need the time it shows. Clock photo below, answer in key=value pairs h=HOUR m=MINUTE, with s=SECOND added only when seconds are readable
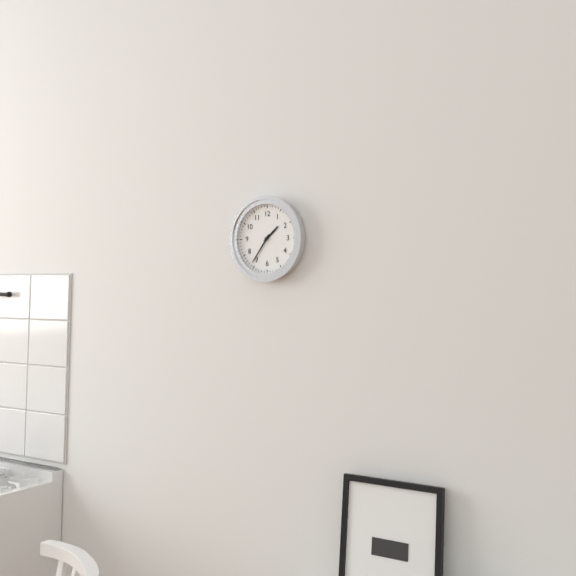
h=1 m=36
